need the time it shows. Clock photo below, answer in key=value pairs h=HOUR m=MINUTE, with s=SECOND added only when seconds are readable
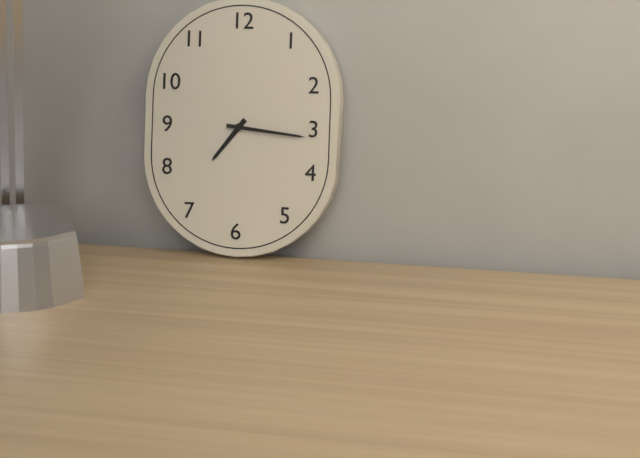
h=7 m=16
